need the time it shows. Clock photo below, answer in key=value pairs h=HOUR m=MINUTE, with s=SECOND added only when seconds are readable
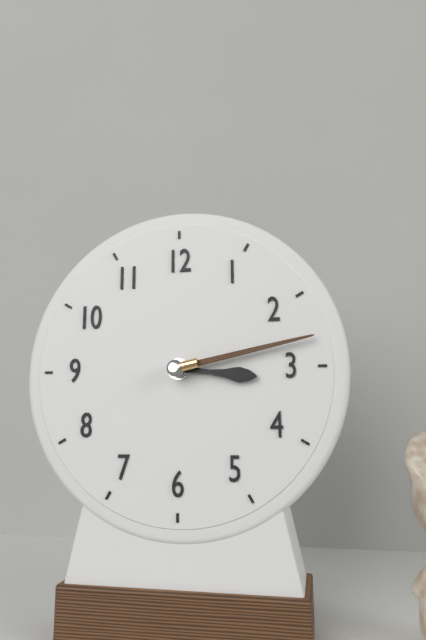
h=3 m=13
